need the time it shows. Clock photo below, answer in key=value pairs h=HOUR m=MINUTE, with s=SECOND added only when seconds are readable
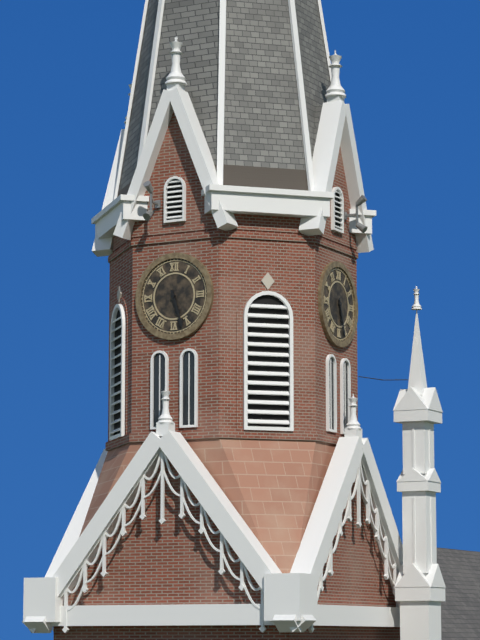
h=5 m=27
